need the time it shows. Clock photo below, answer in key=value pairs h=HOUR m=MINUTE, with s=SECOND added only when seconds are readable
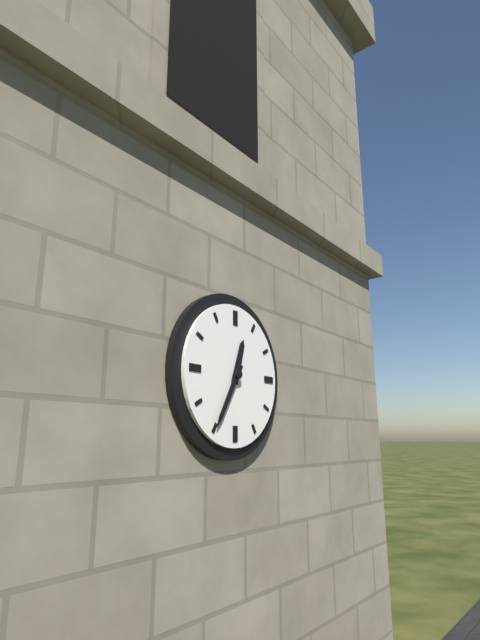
h=12 m=35
